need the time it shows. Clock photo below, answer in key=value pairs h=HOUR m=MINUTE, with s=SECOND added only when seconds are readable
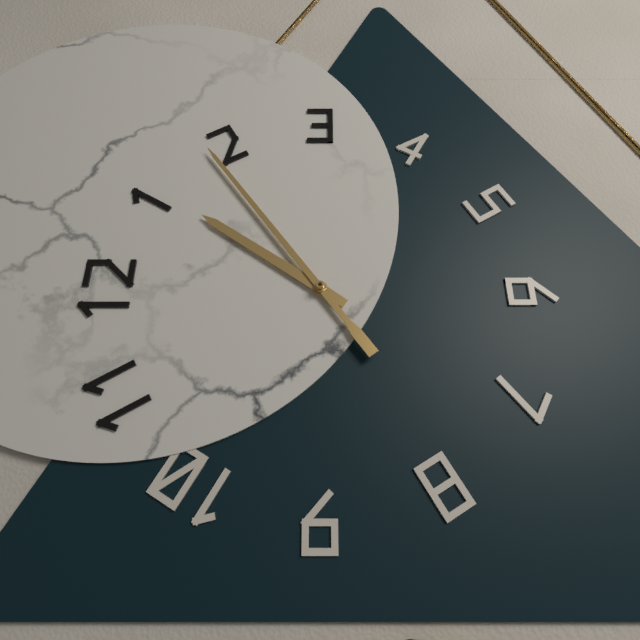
h=1 m=9
